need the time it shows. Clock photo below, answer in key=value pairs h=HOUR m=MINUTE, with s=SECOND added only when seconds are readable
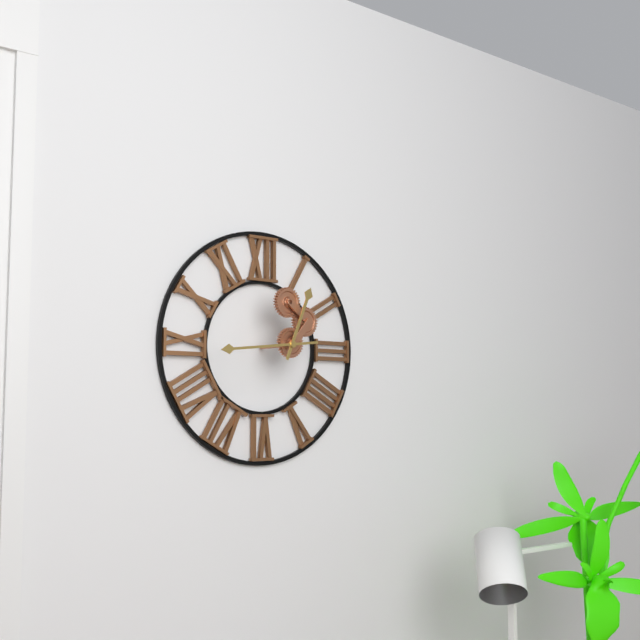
h=12 m=44
